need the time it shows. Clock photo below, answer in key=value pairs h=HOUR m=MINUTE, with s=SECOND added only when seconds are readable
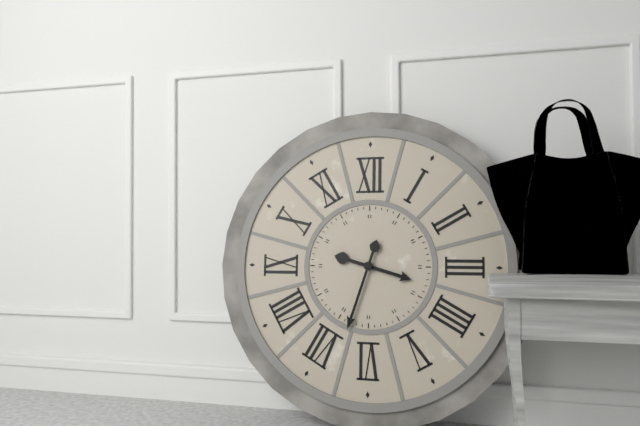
h=3 m=33
